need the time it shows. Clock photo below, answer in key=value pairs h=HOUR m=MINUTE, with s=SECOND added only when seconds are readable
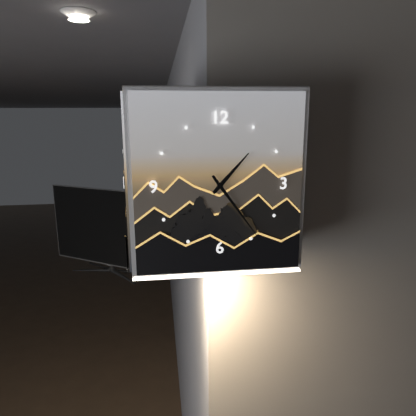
h=1 m=24
